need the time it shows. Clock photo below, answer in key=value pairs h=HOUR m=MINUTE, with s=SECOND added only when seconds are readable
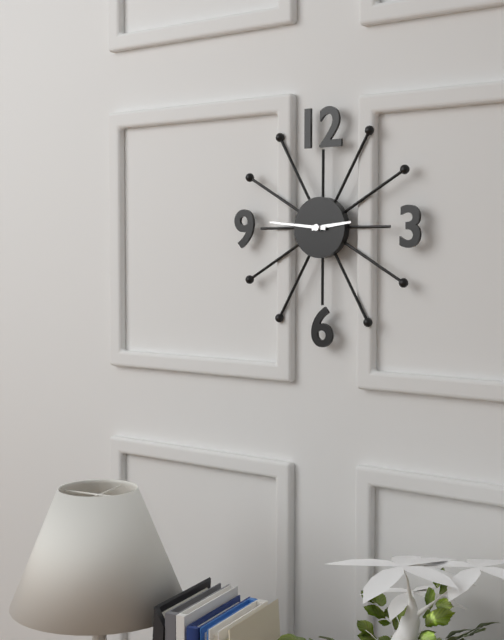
h=2 m=46
